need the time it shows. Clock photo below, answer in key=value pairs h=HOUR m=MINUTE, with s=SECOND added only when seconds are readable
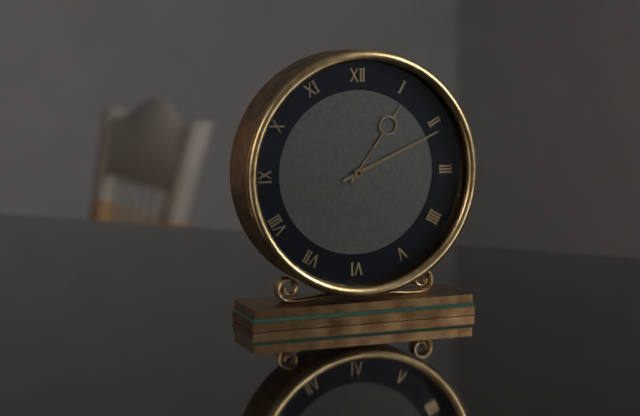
h=1 m=11
